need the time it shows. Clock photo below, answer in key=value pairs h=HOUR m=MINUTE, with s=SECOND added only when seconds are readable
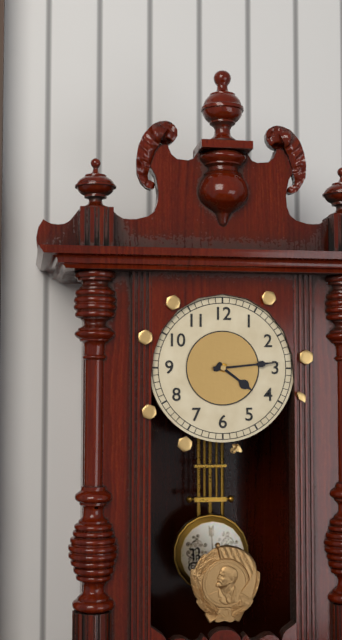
h=4 m=14
